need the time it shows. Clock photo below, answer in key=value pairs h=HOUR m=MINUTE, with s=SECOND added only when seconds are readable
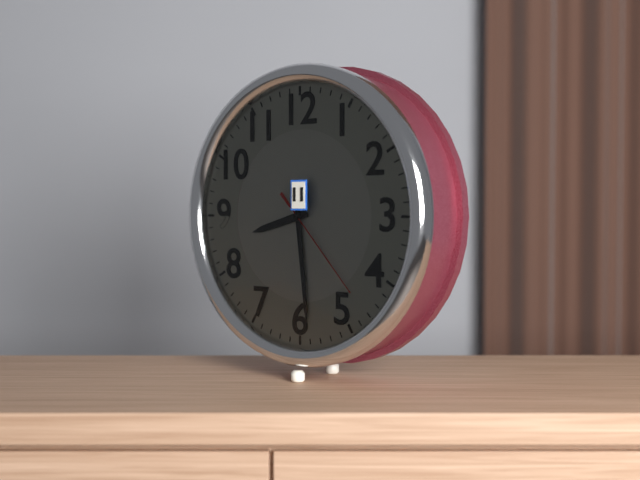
h=8 m=29 s=23
